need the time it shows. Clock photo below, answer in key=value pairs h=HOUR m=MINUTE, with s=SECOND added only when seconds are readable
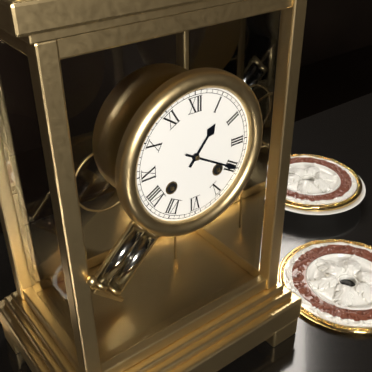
h=1 m=20
